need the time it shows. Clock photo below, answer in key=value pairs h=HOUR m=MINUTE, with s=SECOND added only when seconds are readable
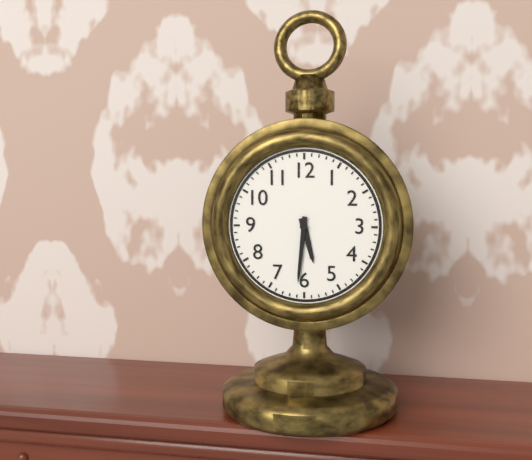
h=5 m=31
